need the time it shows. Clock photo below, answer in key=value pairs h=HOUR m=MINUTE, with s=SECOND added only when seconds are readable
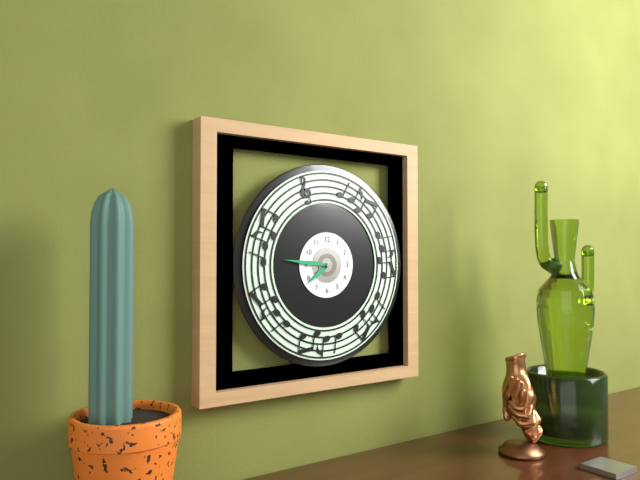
h=7 m=46
